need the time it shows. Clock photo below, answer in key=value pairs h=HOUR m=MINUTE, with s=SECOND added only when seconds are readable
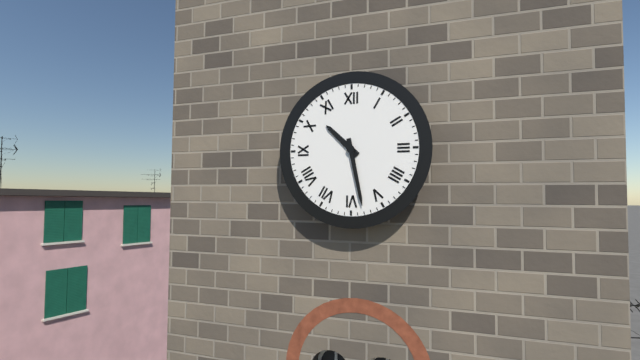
h=10 m=28
